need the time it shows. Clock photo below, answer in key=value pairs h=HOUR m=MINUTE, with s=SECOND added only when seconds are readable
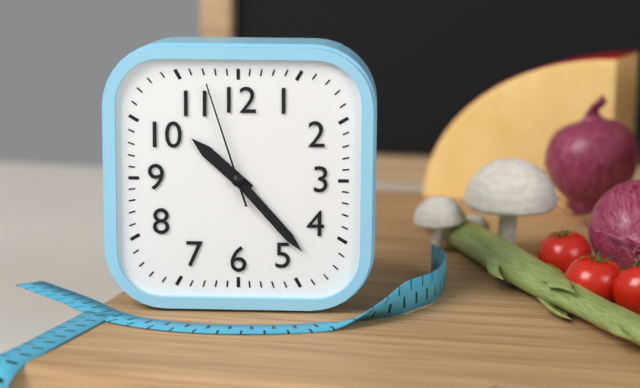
h=10 m=23 s=57
